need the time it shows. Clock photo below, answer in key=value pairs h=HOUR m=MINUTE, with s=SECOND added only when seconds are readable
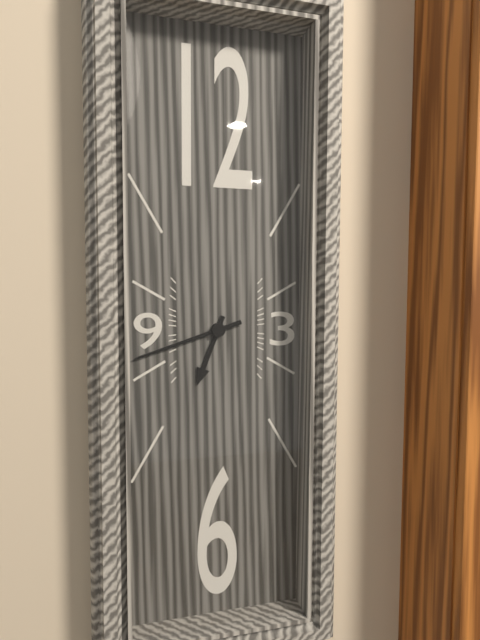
h=6 m=42
